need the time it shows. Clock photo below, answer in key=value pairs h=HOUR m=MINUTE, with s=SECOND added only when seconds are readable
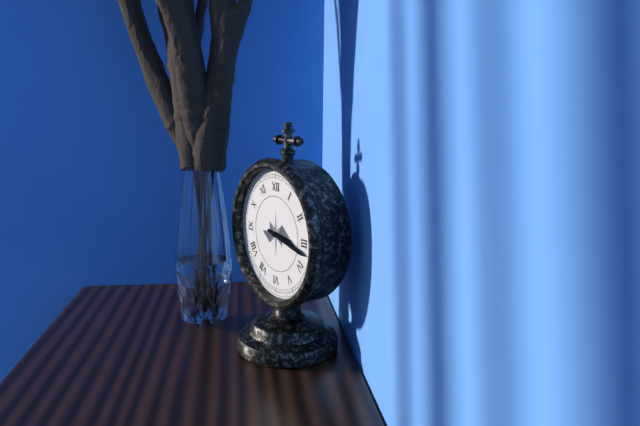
h=3 m=17
